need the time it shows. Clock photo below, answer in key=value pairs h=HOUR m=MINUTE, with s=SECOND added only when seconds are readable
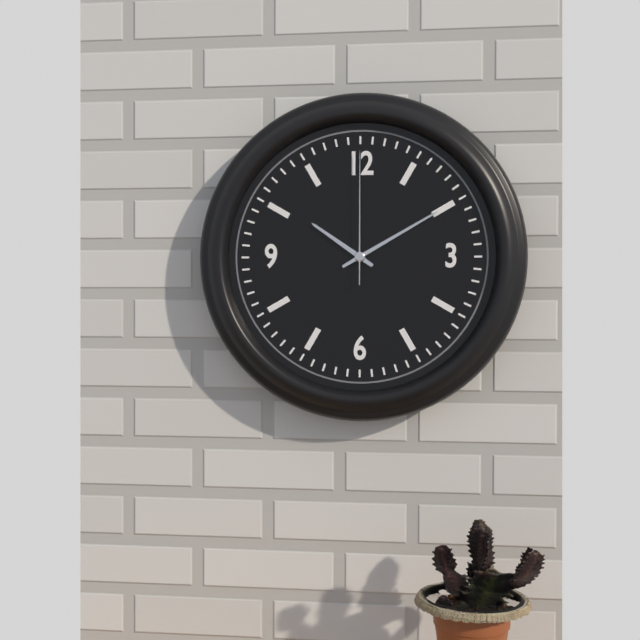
h=10 m=10 s=0
